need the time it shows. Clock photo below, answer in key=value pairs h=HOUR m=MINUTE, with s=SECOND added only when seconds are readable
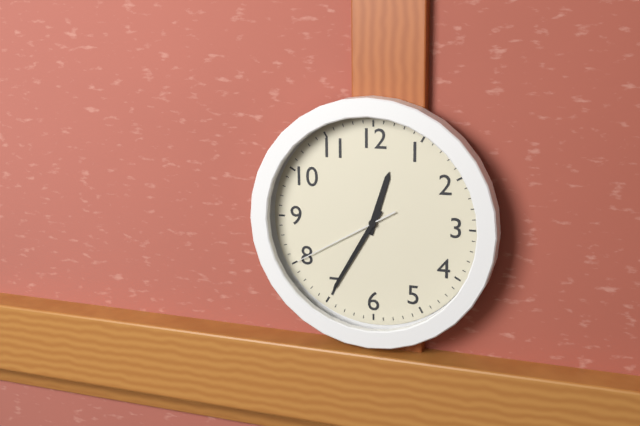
h=12 m=35 s=40
